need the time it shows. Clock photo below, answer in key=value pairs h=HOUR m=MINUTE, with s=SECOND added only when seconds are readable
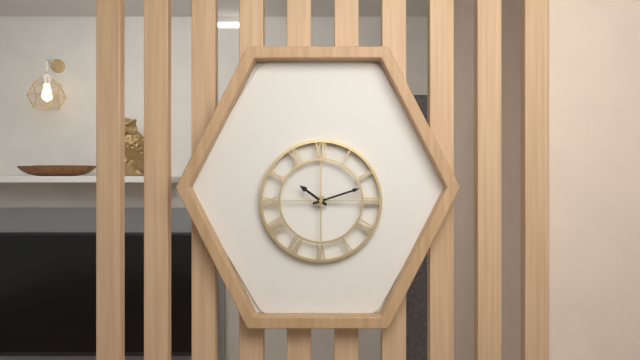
h=10 m=12
